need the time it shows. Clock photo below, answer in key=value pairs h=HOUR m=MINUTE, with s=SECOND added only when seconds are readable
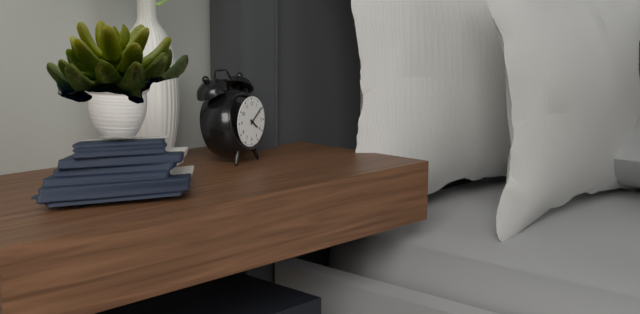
h=4 m=9
